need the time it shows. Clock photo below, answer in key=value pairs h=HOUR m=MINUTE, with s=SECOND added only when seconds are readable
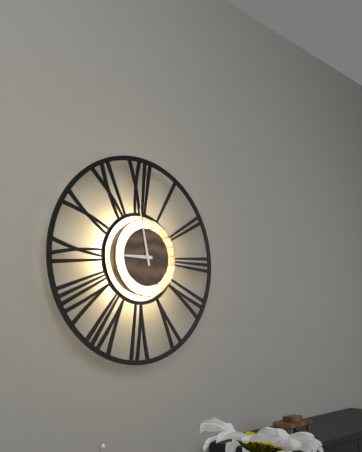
h=8 m=58
